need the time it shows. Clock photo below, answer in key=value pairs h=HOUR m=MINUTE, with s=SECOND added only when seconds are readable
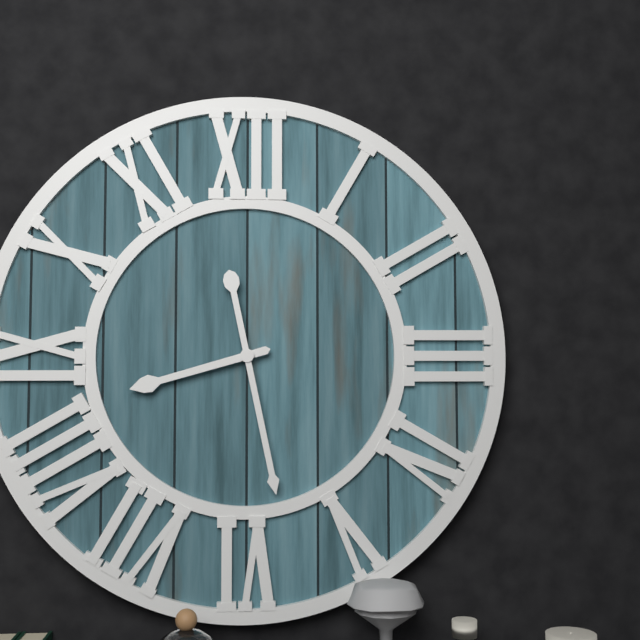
h=8 m=28
